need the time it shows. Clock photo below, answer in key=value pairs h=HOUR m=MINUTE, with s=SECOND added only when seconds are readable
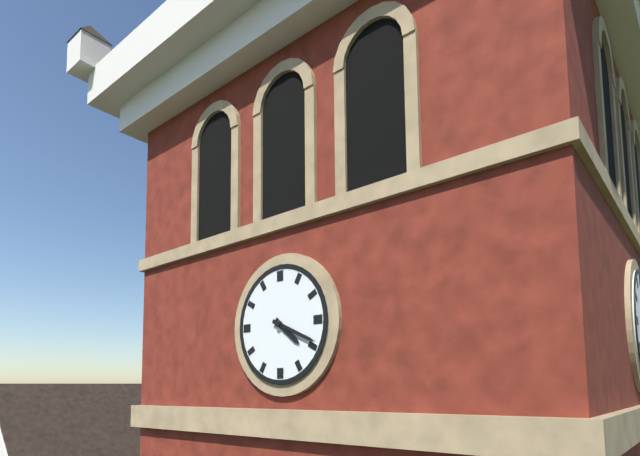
h=4 m=19
